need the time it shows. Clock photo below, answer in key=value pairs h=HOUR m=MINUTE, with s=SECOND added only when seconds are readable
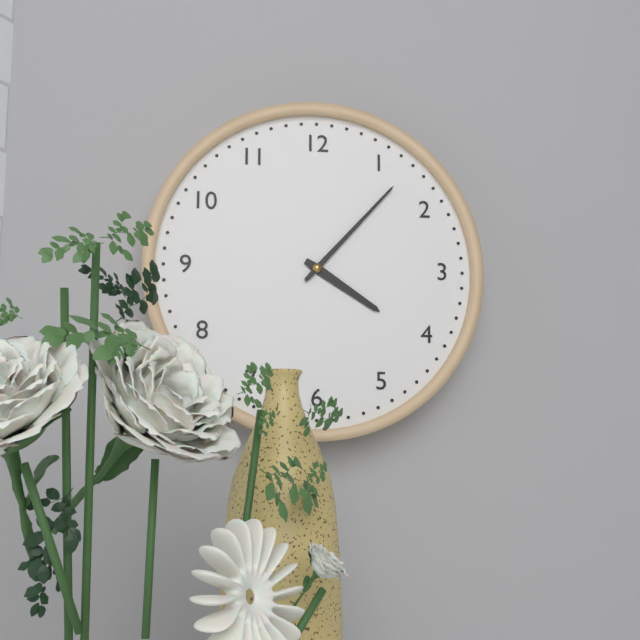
h=4 m=7
